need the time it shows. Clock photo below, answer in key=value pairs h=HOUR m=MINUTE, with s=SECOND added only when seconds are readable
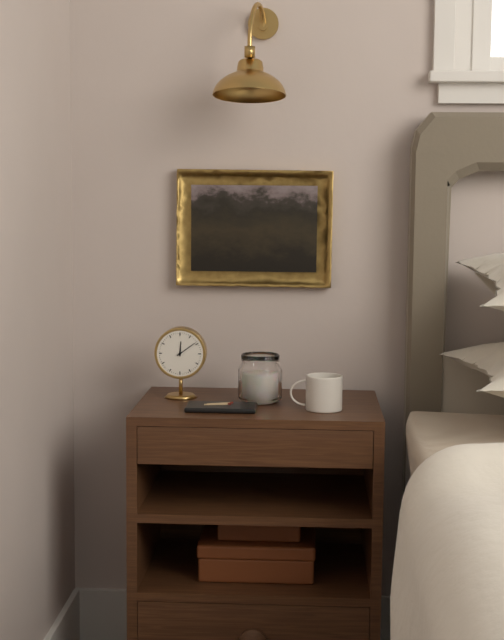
h=12 m=9
